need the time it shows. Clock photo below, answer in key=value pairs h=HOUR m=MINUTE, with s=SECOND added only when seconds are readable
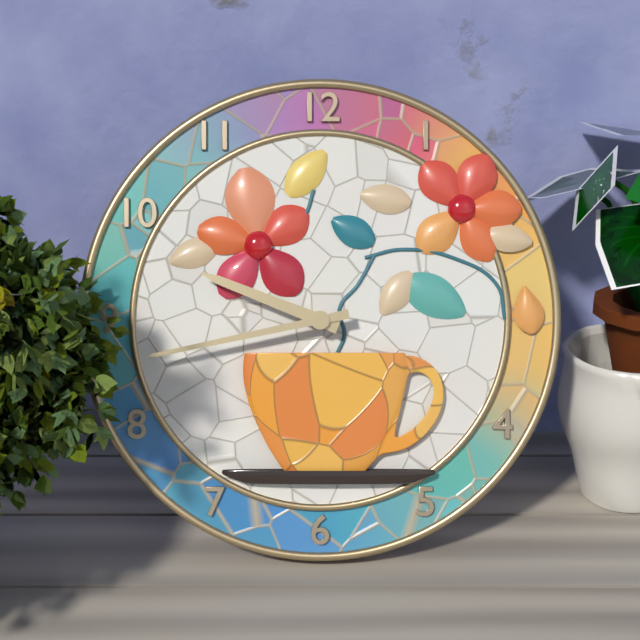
h=9 m=43
